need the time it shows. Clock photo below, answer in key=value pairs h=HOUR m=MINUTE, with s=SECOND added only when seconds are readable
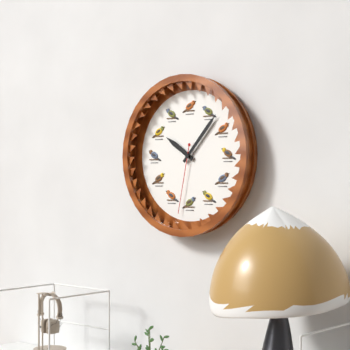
h=10 m=7 s=32
